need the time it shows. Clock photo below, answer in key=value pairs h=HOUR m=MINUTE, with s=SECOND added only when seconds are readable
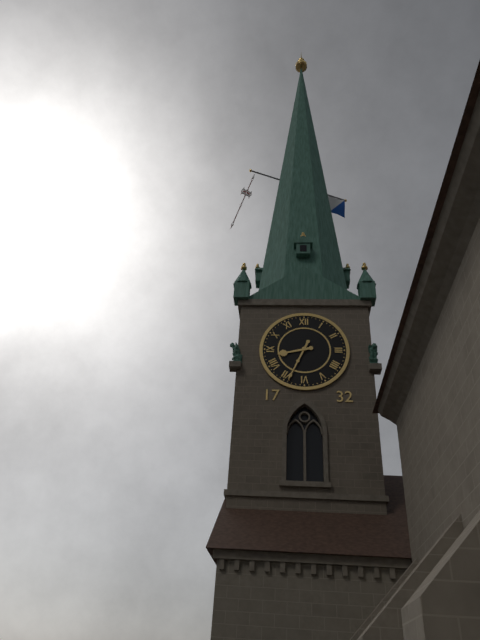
h=8 m=34
